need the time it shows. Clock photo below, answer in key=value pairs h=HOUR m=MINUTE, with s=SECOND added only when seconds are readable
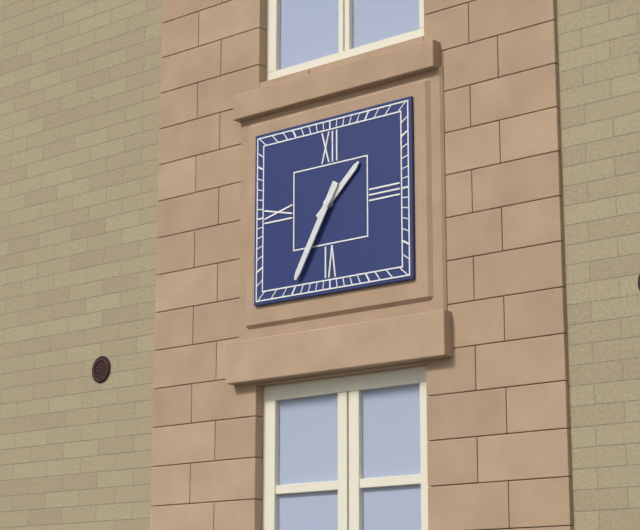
h=1 m=35
